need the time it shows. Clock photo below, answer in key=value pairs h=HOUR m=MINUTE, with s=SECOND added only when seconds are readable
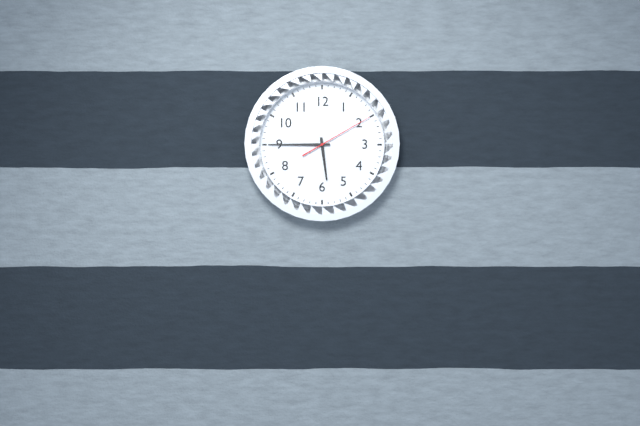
h=5 m=45 s=10
